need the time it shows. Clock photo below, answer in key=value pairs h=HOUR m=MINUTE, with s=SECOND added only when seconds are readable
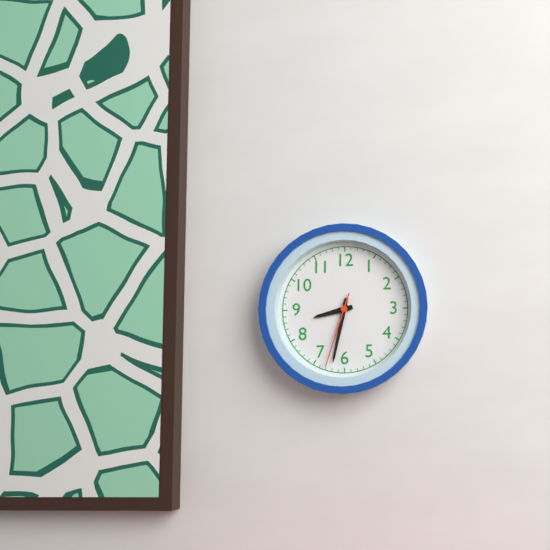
h=8 m=32 s=33
